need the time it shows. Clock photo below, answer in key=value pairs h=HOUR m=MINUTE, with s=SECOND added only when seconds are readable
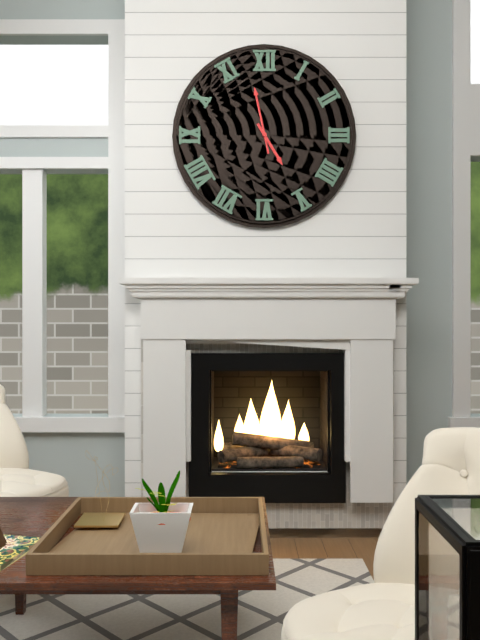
h=4 m=58
